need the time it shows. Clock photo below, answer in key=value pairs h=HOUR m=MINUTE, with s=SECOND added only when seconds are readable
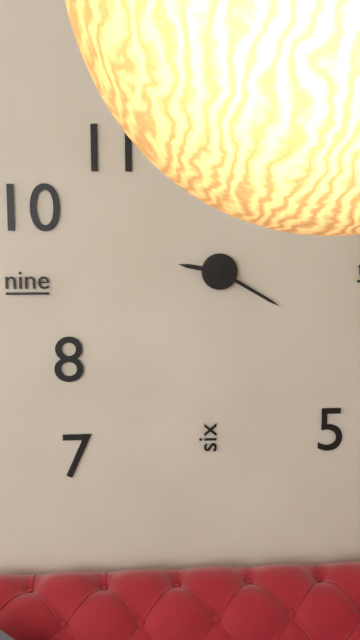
h=9 m=20
